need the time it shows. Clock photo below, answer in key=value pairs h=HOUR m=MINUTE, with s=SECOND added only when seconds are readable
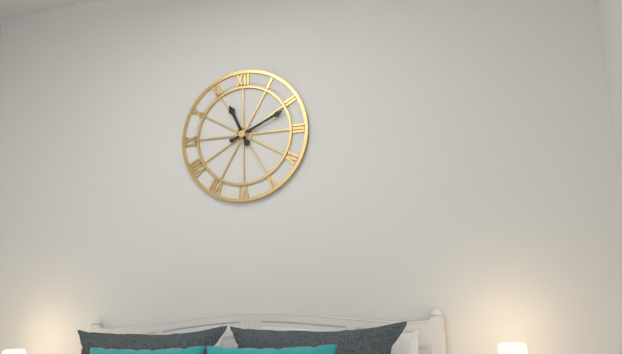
h=11 m=11
